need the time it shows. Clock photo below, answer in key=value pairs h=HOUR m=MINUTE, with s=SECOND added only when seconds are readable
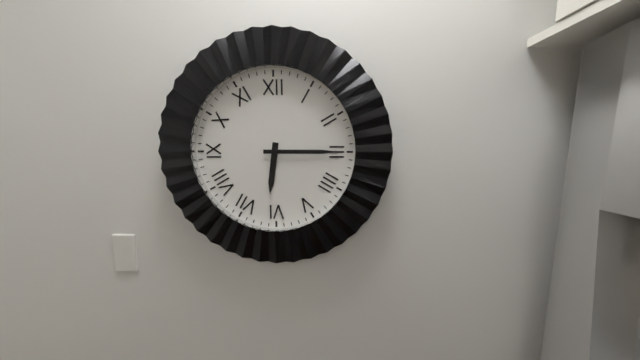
h=6 m=15
